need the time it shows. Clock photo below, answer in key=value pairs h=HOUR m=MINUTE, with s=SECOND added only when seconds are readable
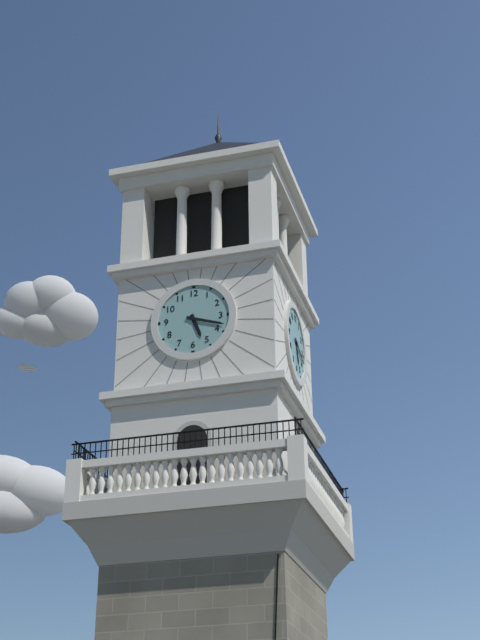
h=5 m=18
